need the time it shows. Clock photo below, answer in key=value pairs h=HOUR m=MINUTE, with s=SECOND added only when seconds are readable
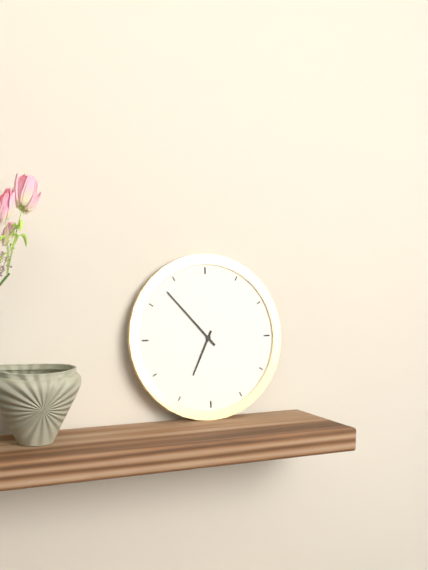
h=6 m=53
